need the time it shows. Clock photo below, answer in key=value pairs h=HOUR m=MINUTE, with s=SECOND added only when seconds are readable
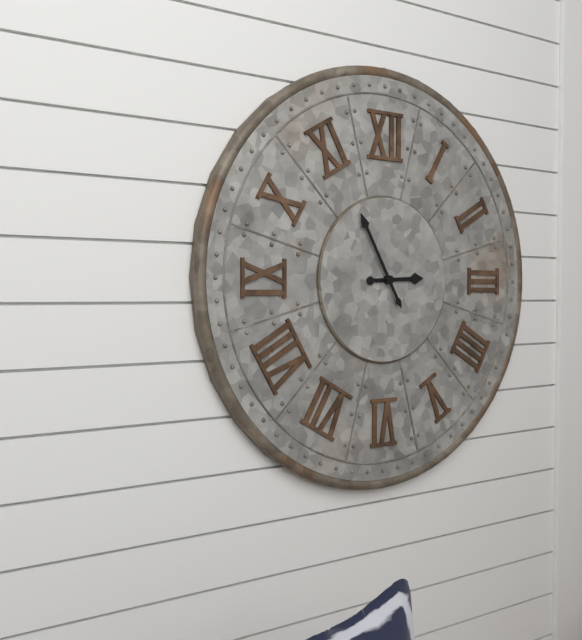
h=2 m=55
